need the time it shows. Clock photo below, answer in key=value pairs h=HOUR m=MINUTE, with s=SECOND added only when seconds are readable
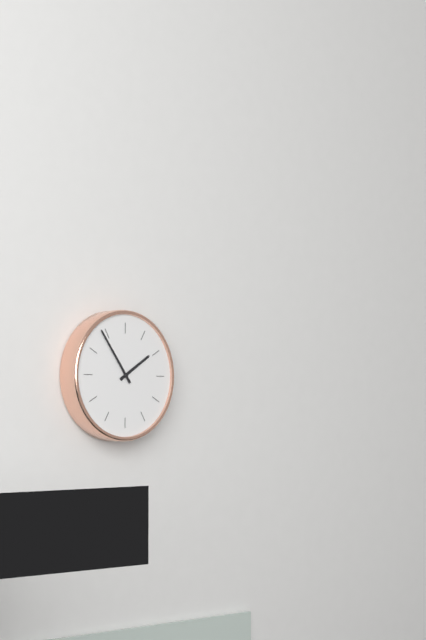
h=1 m=54
